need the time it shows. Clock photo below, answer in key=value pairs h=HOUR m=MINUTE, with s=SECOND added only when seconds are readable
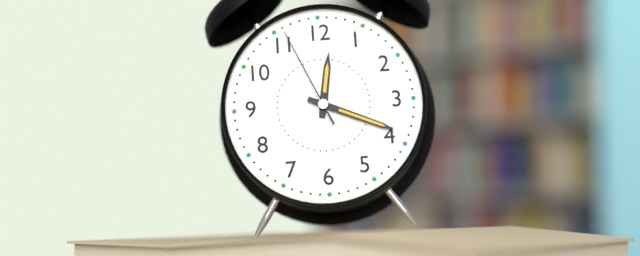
h=12 m=19 s=56
